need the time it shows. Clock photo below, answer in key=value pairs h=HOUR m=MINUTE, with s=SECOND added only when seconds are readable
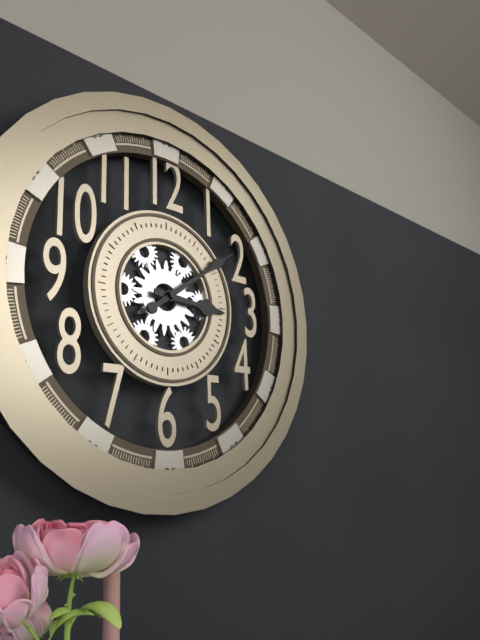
h=3 m=9
